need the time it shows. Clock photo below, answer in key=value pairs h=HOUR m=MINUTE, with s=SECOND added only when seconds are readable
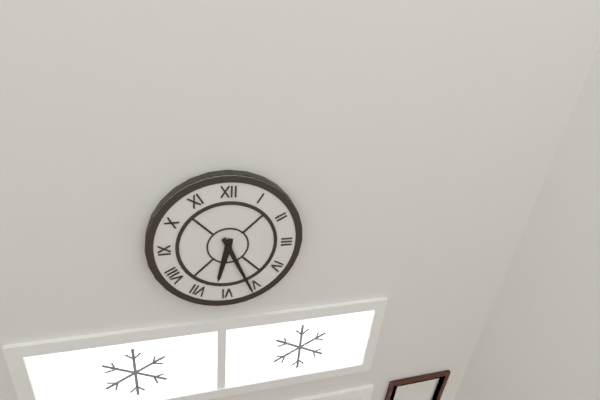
h=6 m=26
